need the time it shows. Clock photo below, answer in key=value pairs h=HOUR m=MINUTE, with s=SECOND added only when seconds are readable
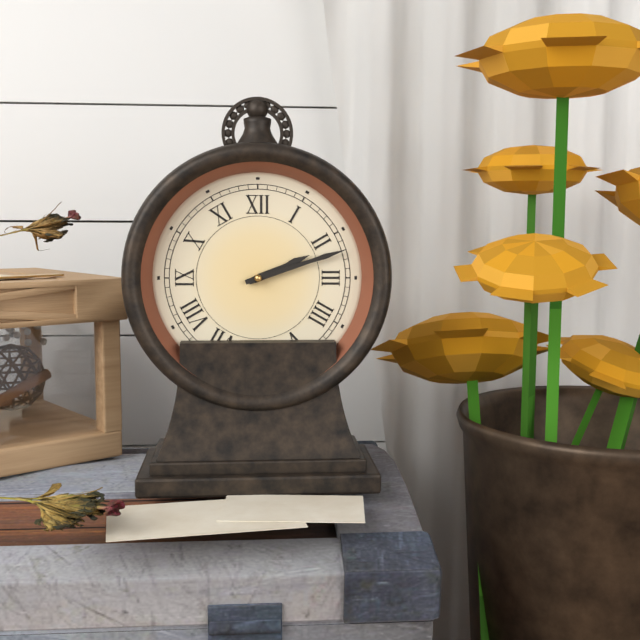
h=2 m=12
